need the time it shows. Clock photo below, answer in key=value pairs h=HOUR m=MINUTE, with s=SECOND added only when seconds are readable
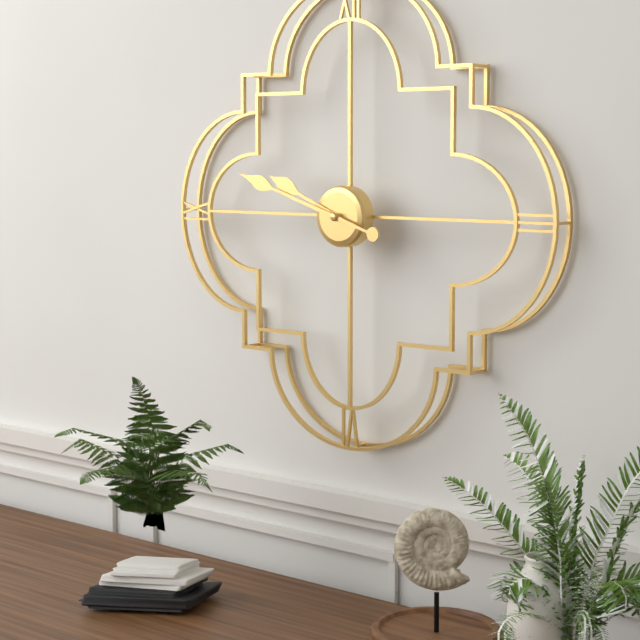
h=9 m=48
